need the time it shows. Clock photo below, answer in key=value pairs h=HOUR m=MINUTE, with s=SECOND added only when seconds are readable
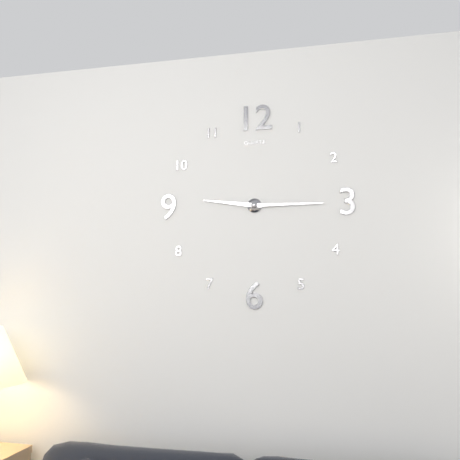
h=9 m=15
